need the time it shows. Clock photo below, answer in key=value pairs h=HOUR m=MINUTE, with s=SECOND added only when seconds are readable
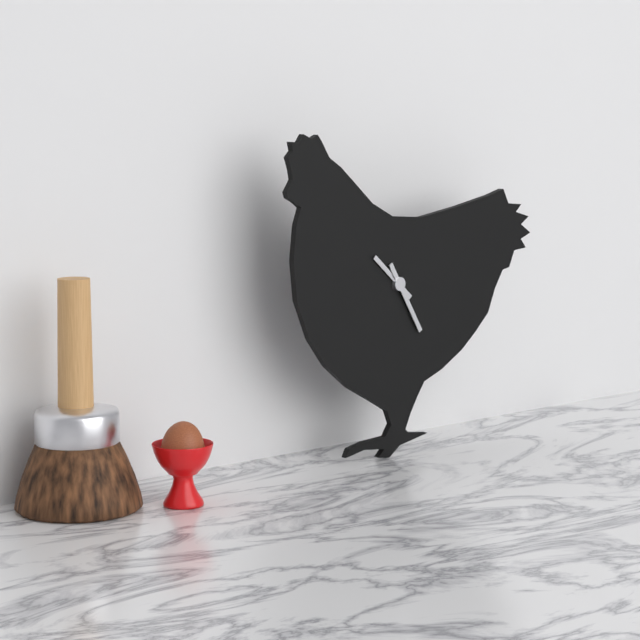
h=10 m=25
